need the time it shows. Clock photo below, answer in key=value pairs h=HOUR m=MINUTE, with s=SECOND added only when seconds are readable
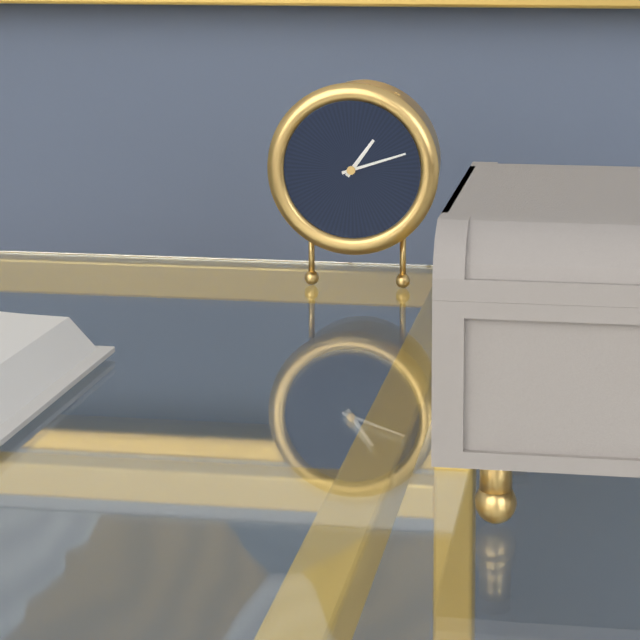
h=1 m=12
